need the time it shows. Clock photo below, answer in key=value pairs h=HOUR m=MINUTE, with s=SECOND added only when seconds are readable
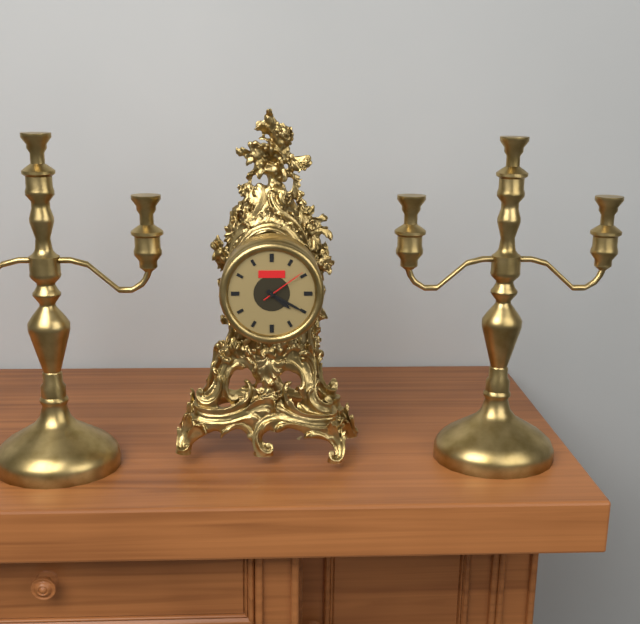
h=4 m=20
